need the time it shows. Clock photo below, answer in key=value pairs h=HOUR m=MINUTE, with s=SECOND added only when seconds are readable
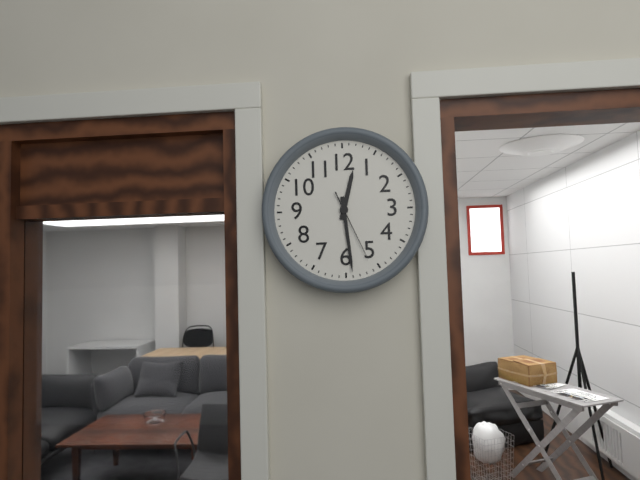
h=12 m=29 s=26
